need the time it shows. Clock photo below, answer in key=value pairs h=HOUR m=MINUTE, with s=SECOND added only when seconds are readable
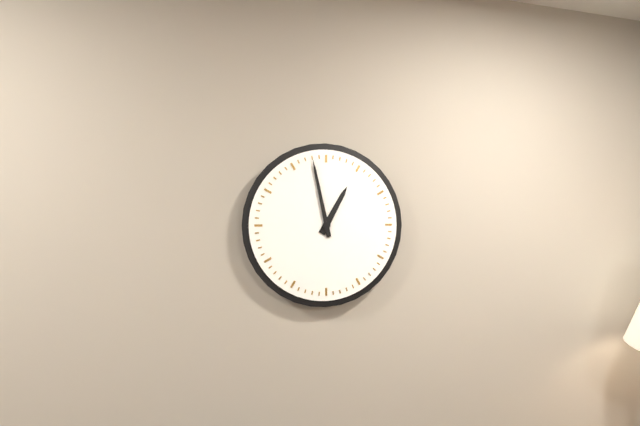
h=12 m=58
